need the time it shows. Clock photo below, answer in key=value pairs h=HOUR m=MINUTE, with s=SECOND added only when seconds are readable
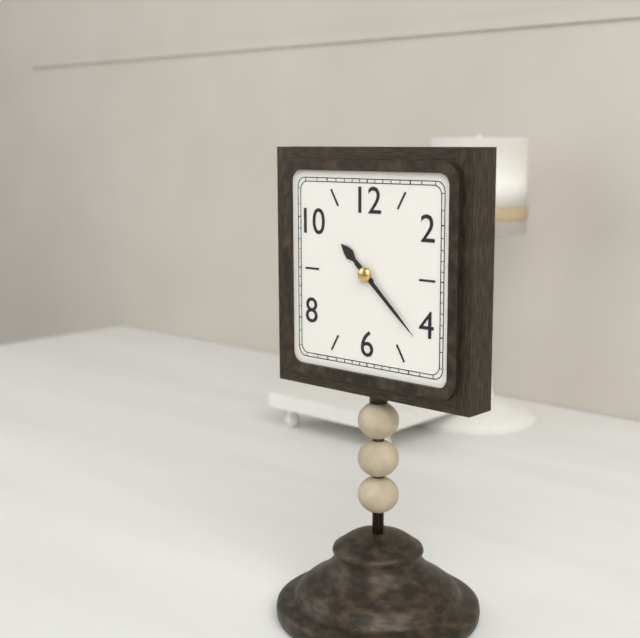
h=10 m=22
